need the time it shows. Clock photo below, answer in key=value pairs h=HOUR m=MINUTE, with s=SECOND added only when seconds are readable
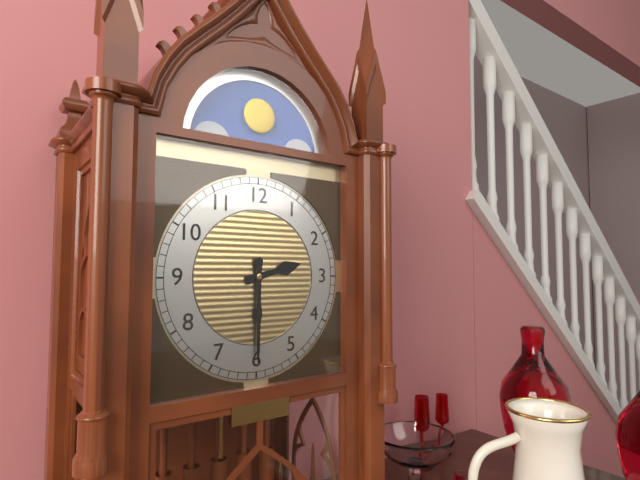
h=2 m=30
